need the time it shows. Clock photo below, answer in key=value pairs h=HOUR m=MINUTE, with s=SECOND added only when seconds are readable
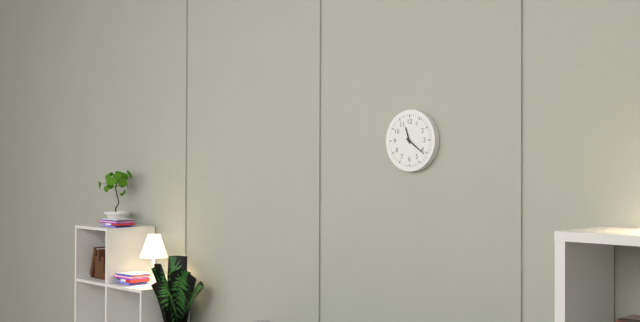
h=11 m=21
